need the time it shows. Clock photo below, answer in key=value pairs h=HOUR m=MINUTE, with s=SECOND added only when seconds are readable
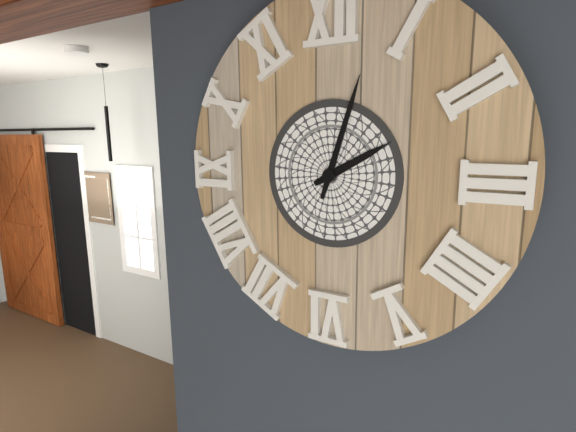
h=2 m=3
